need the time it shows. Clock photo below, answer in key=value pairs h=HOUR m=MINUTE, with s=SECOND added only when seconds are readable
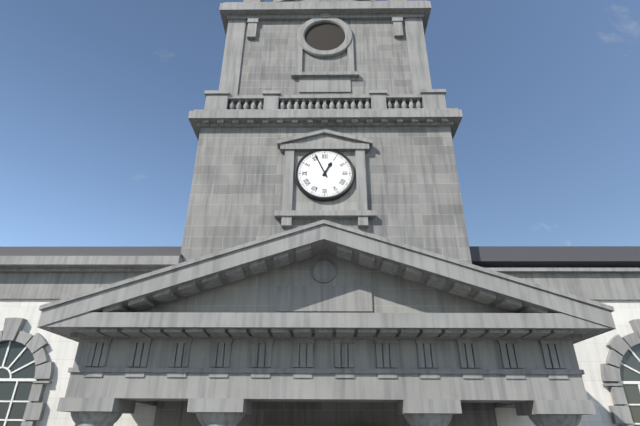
h=12 m=56
